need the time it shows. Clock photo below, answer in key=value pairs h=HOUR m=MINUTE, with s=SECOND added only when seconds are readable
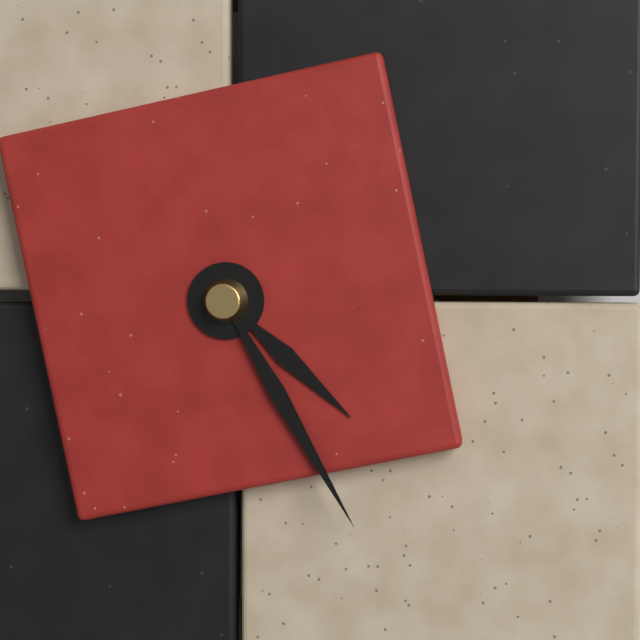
h=4 m=25
